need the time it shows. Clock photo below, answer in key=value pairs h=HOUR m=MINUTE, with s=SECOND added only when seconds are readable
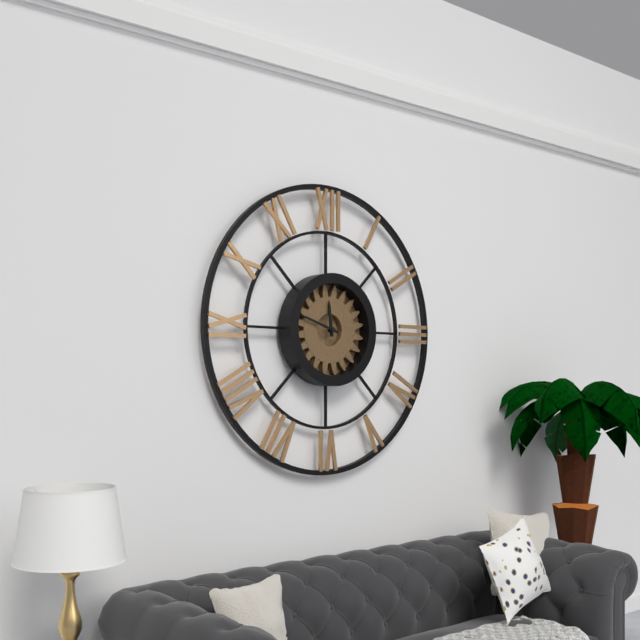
h=11 m=48
